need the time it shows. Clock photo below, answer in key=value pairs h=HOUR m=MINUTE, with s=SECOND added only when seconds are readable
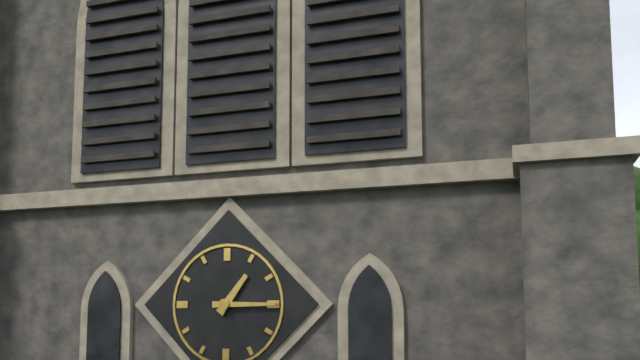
h=1 m=15
